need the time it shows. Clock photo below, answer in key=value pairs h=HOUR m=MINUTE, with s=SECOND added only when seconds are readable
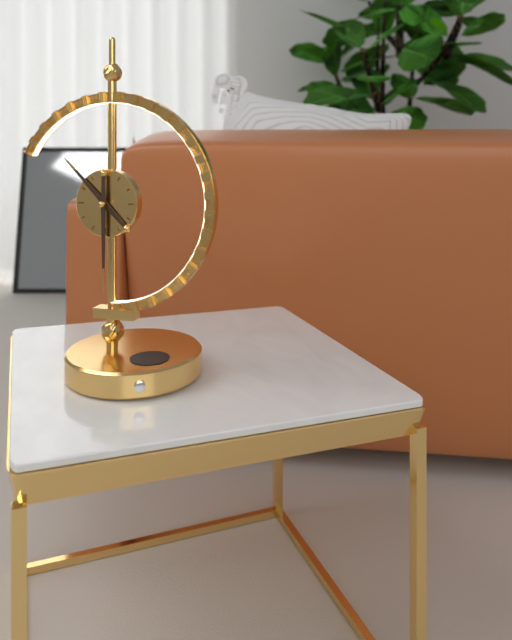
h=10 m=30
